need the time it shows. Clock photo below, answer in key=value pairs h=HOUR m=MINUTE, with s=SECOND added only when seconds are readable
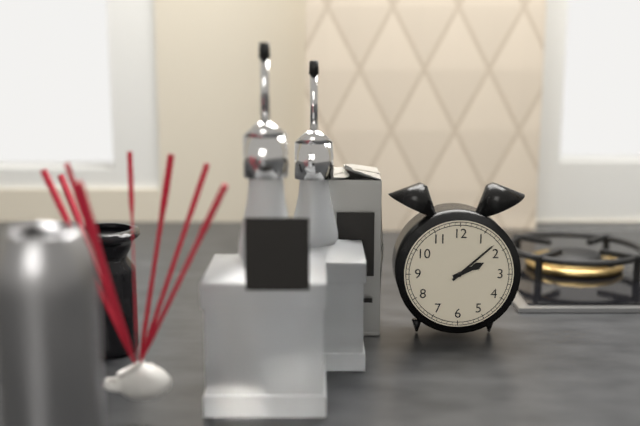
h=2 m=8
